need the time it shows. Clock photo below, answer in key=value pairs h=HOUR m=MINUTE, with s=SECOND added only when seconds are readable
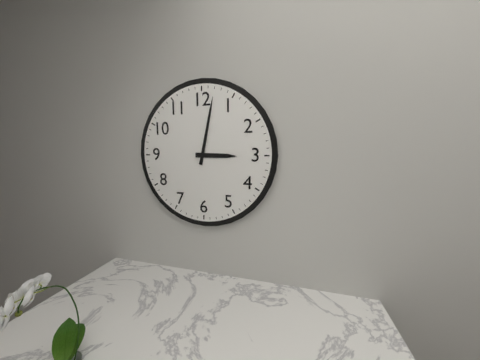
h=3 m=2
